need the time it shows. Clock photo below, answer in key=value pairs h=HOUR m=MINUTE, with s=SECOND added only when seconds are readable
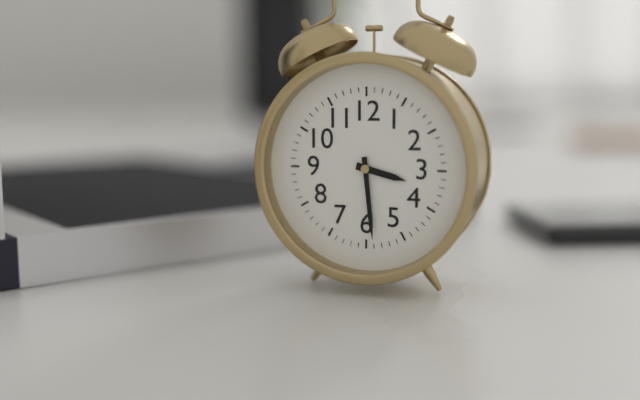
h=3 m=29
